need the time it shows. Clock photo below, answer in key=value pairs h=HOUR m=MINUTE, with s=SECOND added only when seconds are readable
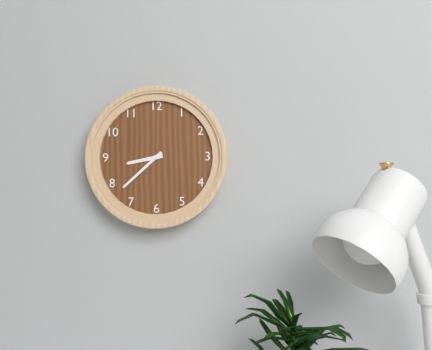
h=8 m=38
